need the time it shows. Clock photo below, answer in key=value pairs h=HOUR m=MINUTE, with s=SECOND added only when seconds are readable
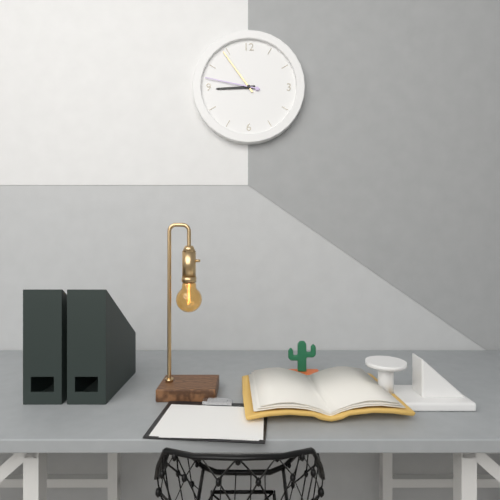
h=8 m=54 s=47
